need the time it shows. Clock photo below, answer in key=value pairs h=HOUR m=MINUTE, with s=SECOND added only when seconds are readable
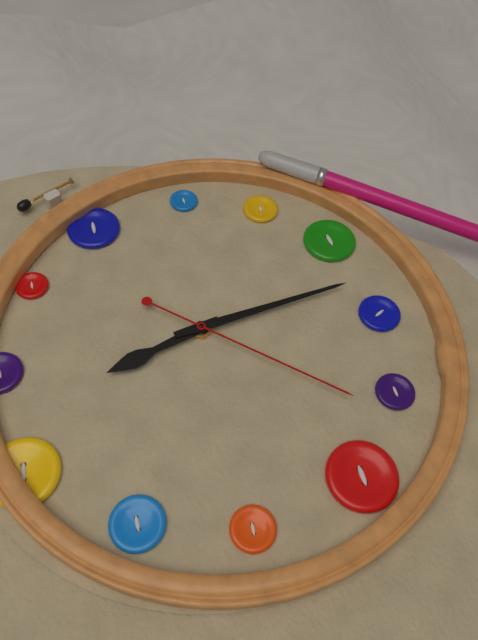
h=11 m=29 s=37
